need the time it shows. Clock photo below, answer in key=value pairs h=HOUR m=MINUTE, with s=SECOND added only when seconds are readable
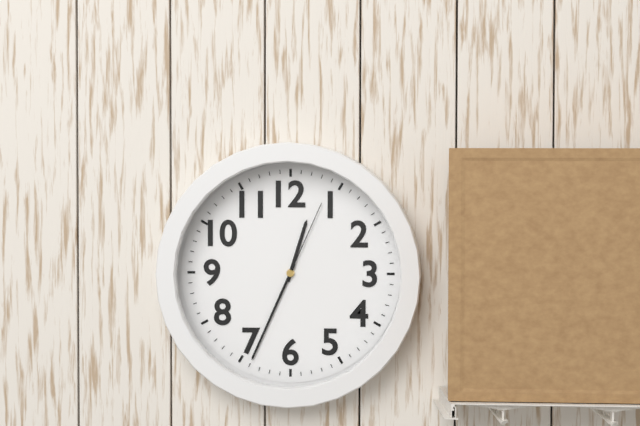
h=12 m=34 s=4
